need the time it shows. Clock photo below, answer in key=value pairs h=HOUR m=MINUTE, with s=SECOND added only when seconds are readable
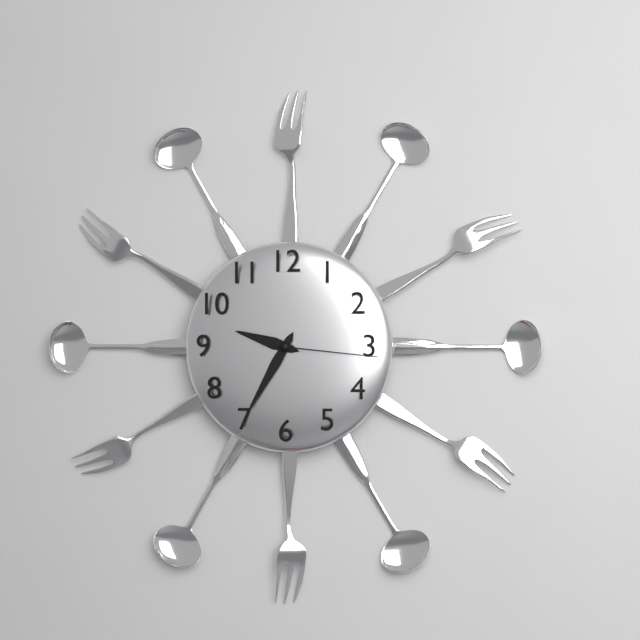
h=9 m=35 s=16
